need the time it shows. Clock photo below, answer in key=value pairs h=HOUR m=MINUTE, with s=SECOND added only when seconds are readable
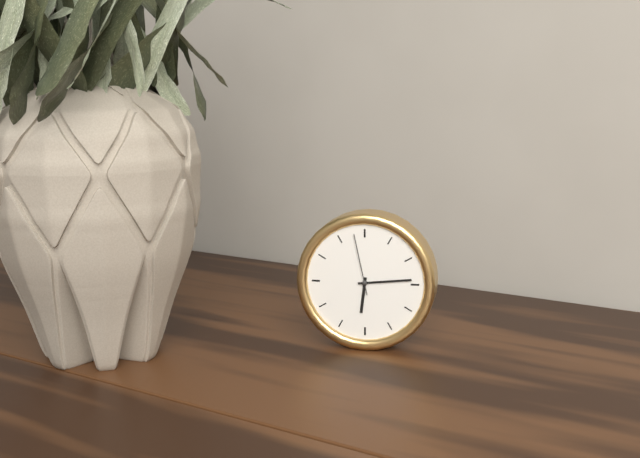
h=6 m=14 s=58
